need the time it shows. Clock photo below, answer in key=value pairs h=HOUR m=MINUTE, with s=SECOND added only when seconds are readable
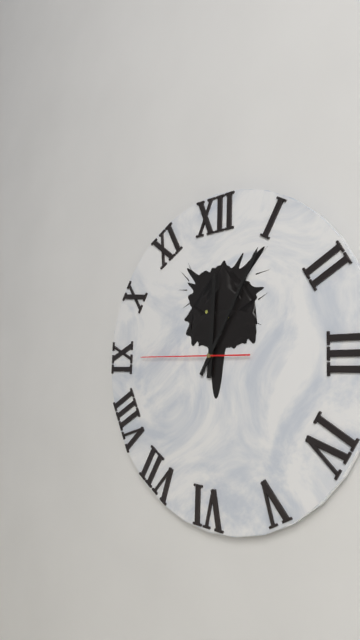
h=12 m=5 s=45
